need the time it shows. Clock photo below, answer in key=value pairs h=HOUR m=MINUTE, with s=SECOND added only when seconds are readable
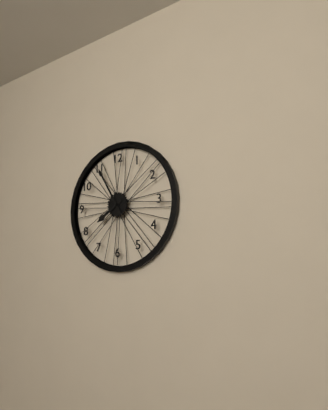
h=7 m=55
